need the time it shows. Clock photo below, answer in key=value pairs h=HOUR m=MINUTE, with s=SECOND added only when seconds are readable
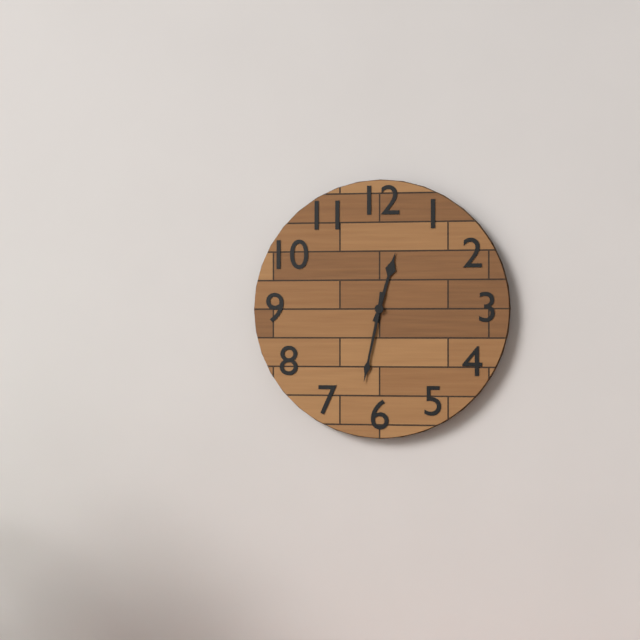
h=12 m=32
